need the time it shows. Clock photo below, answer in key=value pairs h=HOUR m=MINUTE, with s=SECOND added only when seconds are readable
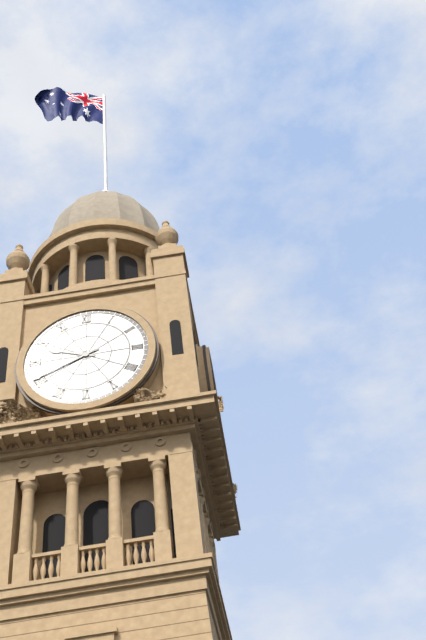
h=9 m=41
